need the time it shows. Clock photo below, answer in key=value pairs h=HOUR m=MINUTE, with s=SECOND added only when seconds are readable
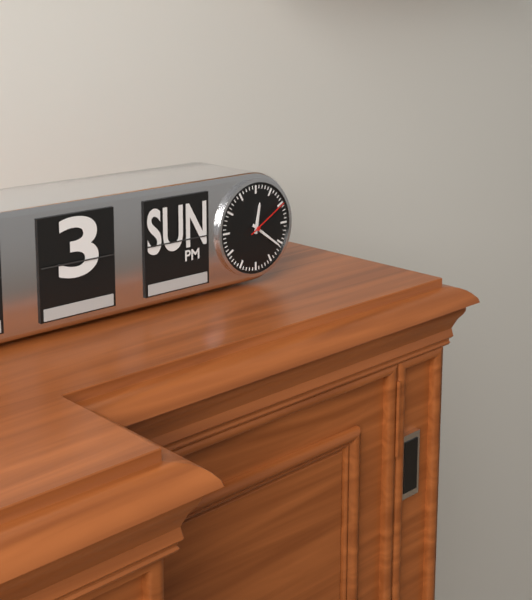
h=12 m=21
